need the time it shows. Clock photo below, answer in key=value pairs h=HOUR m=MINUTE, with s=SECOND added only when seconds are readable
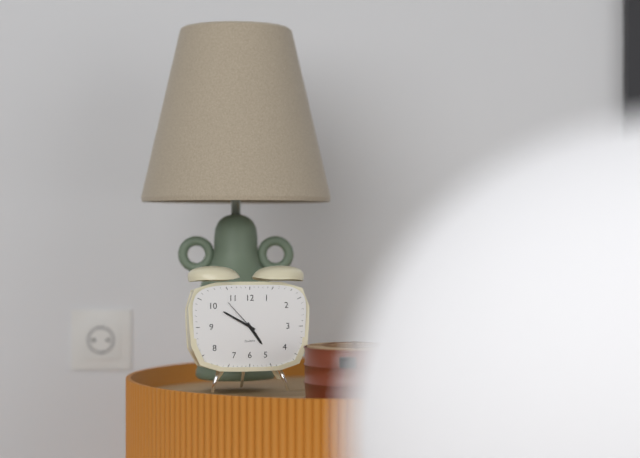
h=4 m=50
